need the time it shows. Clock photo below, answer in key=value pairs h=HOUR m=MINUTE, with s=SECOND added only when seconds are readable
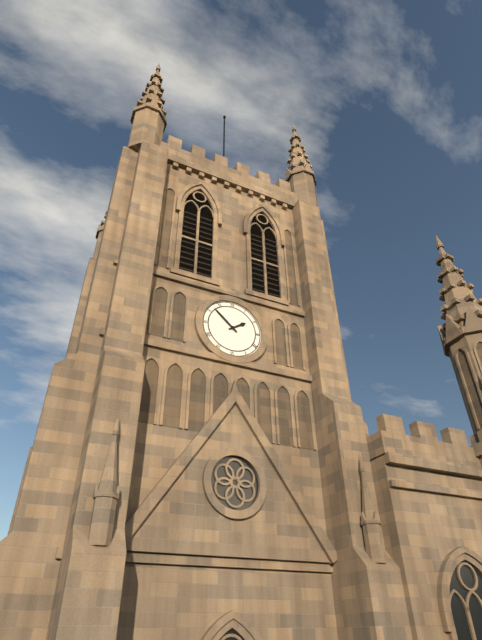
h=1 m=52
